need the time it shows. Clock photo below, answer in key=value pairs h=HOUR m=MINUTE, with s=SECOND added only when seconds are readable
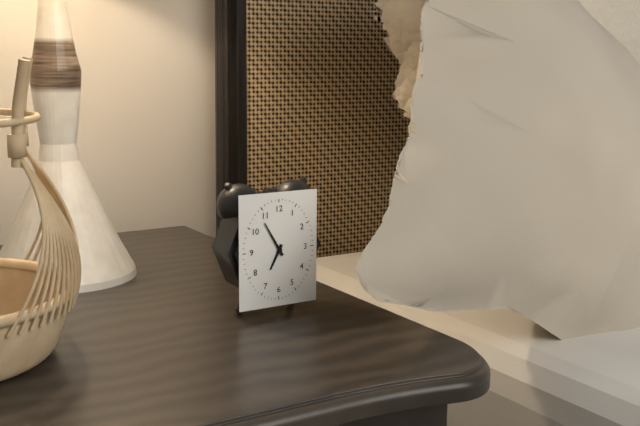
h=6 m=55
